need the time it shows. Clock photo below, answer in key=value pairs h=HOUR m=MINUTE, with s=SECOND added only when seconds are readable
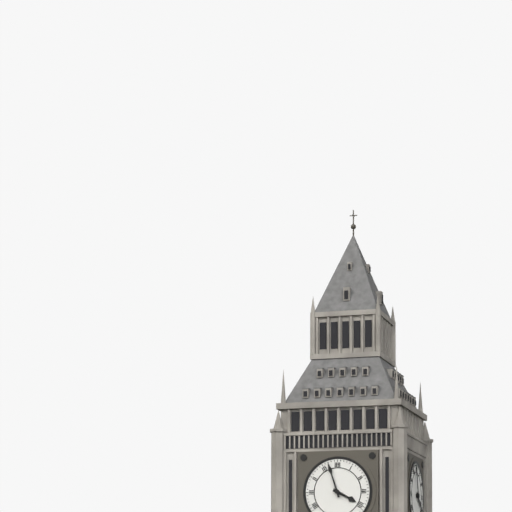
h=3 m=57
